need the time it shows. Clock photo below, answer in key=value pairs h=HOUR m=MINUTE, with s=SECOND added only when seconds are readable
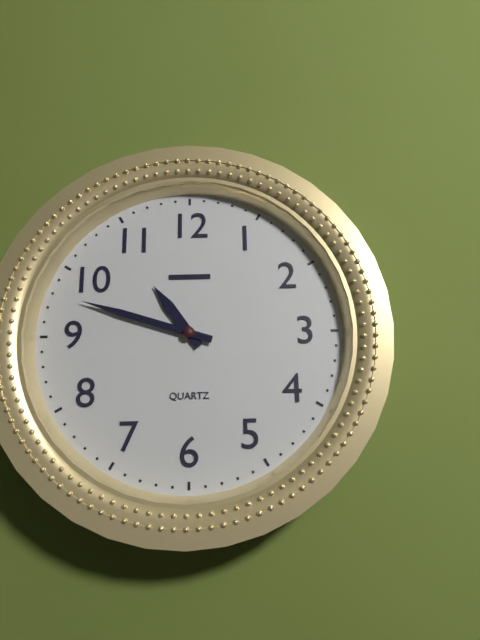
h=10 m=48
